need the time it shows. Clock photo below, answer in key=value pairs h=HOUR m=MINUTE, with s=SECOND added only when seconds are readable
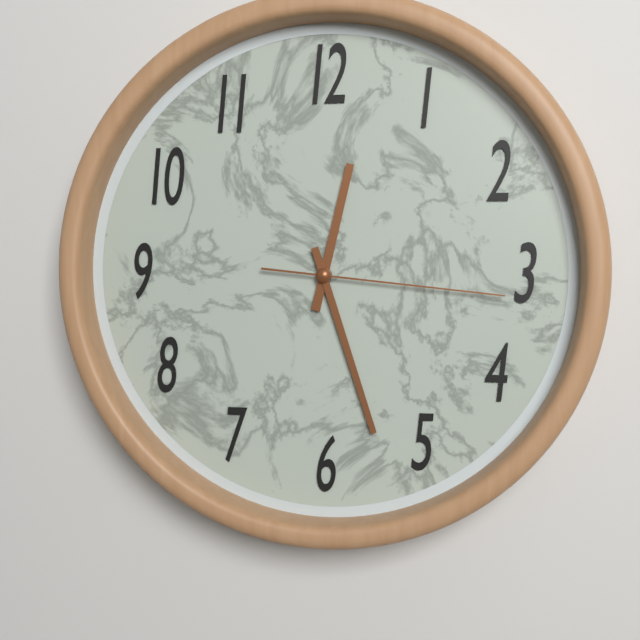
h=12 m=27 s=16
